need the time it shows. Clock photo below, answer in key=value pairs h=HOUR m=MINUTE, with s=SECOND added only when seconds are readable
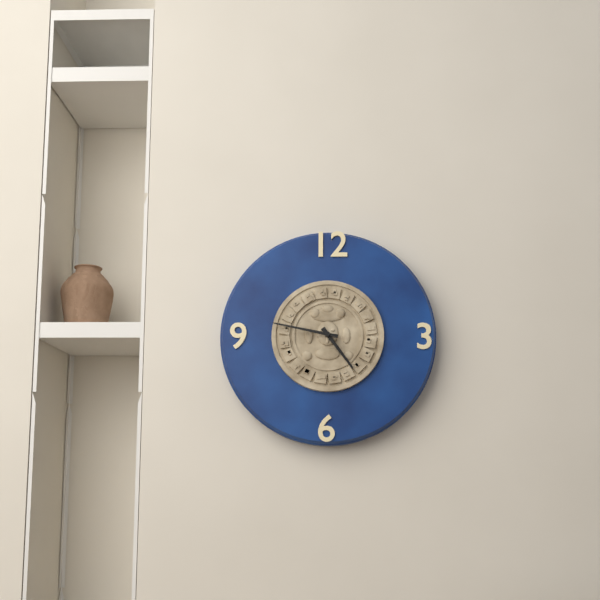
h=4 m=47
